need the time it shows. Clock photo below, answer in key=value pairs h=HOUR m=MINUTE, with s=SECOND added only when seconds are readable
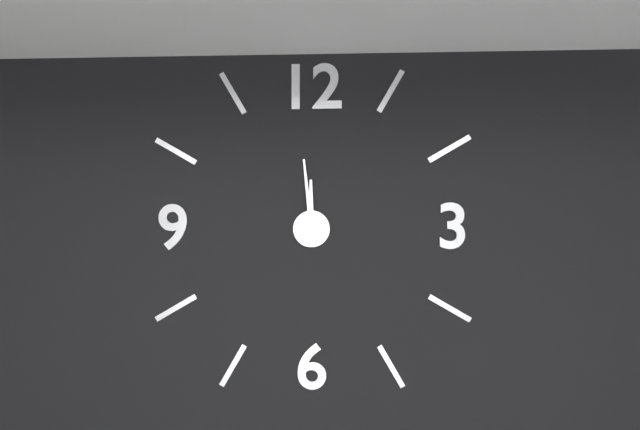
h=11 m=59
